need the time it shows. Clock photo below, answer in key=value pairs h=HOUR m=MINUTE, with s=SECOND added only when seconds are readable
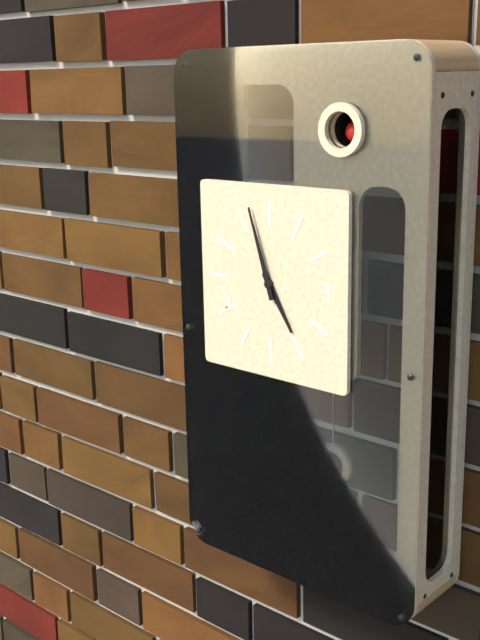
h=4 m=57
